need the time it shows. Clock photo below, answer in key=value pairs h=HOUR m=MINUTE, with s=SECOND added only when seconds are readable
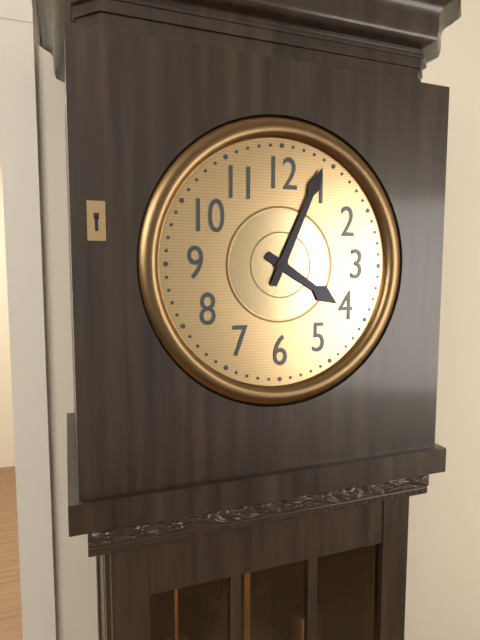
h=4 m=4
